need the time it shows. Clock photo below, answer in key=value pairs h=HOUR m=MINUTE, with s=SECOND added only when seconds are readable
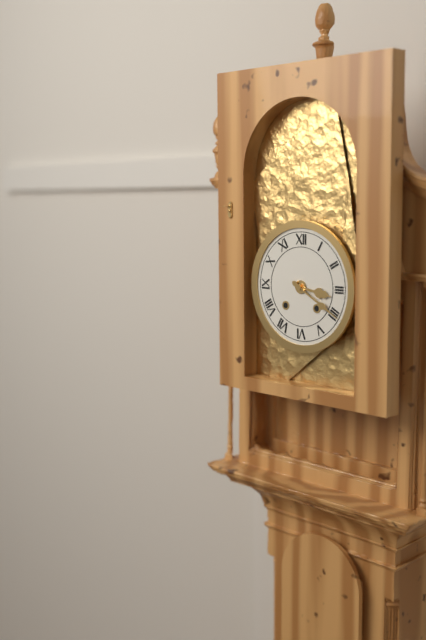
h=3 m=20
